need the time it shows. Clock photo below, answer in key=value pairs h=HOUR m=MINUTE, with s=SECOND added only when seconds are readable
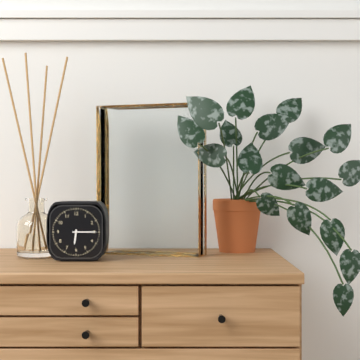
h=6 m=15
